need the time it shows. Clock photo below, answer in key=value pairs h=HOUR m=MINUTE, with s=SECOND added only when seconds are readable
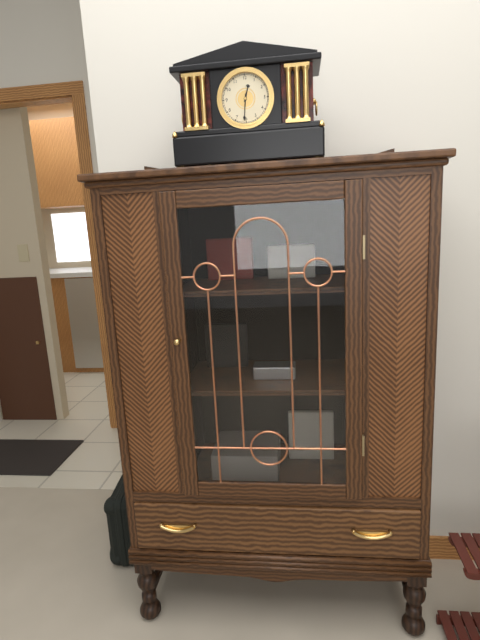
h=12 m=31
